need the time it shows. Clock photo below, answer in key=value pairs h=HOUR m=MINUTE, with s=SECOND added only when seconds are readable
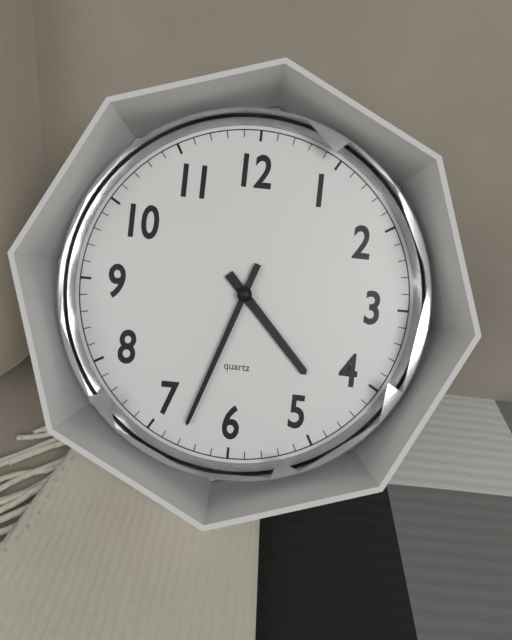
h=4 m=33
